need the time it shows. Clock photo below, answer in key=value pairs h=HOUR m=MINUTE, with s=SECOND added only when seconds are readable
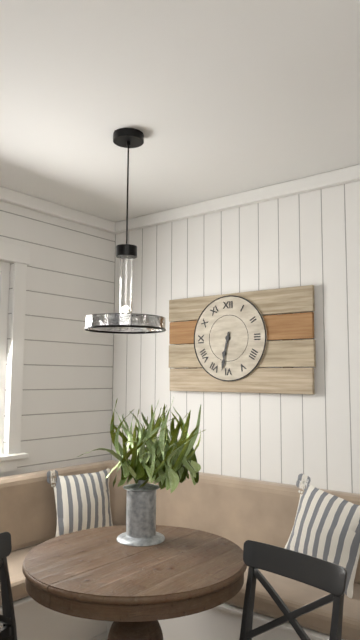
h=6 m=32
